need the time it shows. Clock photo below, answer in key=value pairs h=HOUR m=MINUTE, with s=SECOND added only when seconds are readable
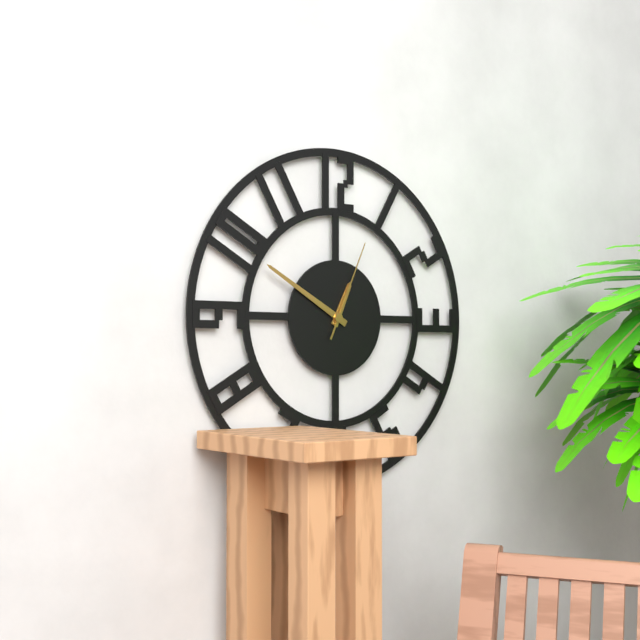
h=12 m=50 s=4
